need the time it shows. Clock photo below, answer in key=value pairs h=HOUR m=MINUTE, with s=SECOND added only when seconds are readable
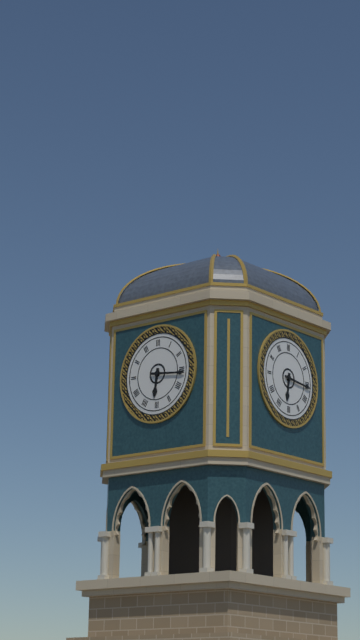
h=6 m=16
